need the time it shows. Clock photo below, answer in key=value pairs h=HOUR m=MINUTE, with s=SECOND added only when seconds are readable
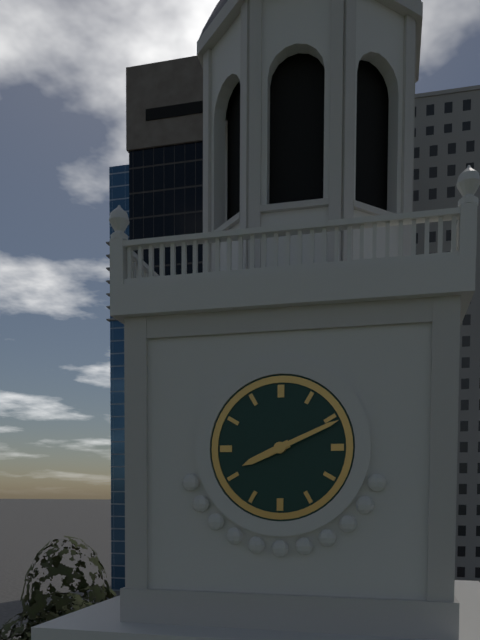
h=8 m=11
